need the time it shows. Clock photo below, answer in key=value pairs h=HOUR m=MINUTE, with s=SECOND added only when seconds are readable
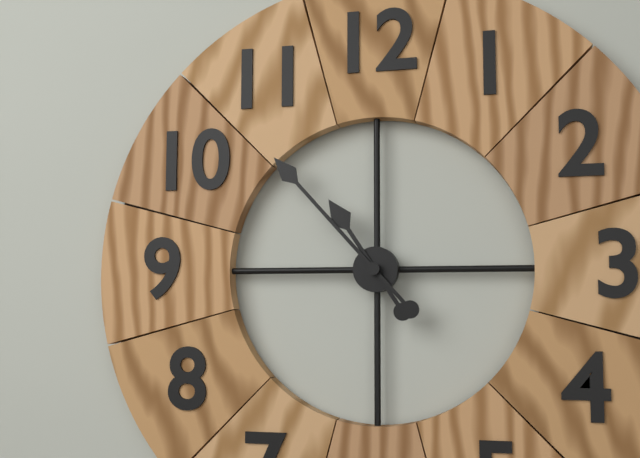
h=10 m=53
